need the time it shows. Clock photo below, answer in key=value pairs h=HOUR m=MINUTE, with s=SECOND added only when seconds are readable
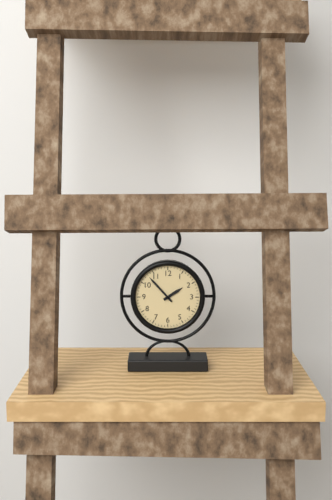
h=1 m=53
